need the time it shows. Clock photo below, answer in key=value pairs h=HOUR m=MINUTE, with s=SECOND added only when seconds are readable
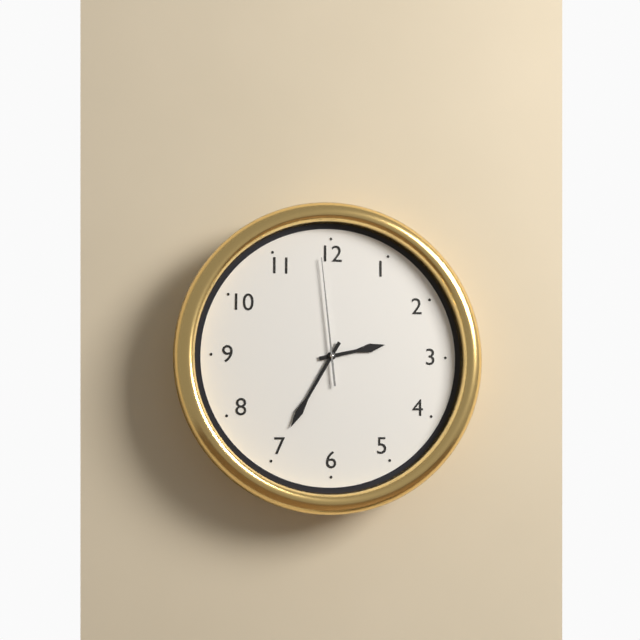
h=2 m=35 s=59
